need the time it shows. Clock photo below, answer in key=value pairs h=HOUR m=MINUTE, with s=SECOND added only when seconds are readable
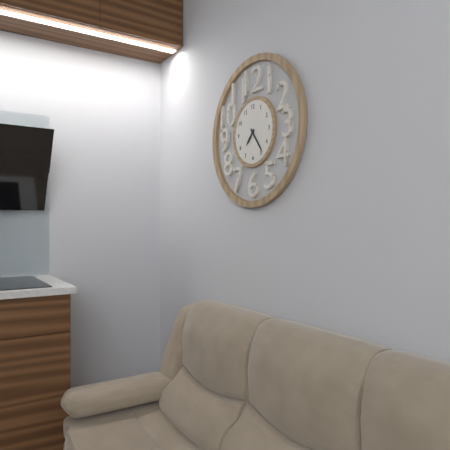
h=7 m=24
